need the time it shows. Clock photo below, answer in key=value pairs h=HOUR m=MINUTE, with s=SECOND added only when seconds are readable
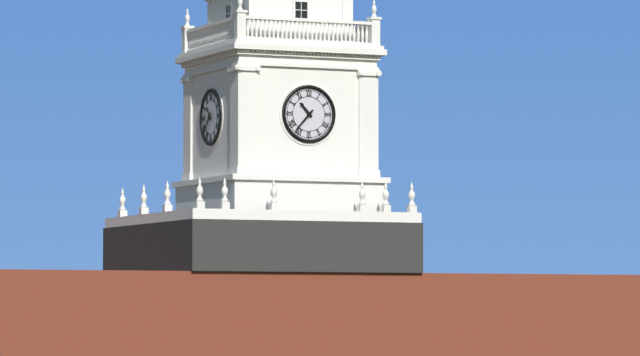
h=10 m=37
